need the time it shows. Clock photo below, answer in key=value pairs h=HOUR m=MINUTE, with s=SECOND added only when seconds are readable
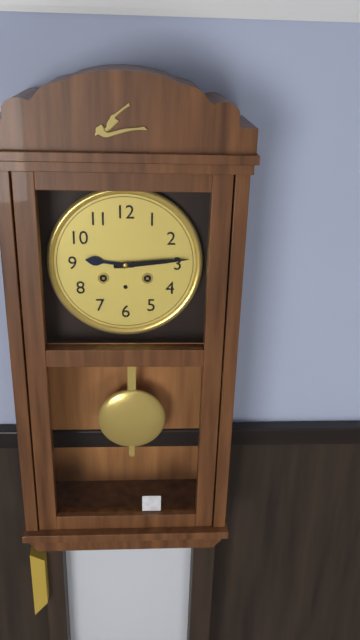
h=9 m=14
